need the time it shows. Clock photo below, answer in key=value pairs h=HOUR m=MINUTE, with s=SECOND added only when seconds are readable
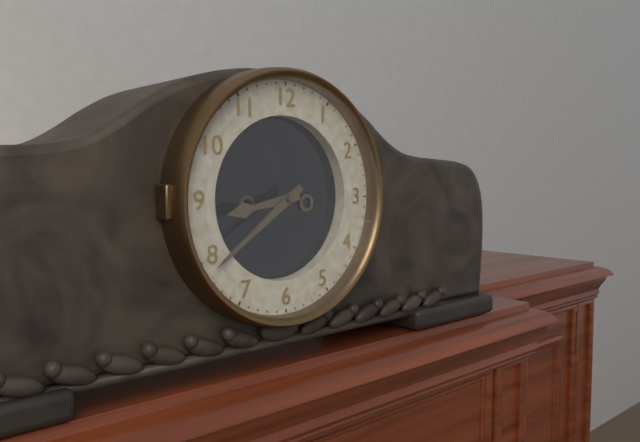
h=8 m=39
